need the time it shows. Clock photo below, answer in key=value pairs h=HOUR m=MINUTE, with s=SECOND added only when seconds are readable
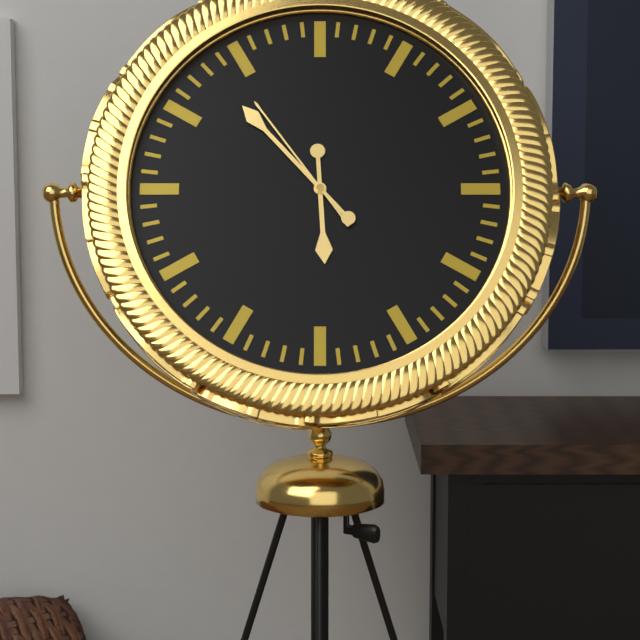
h=5 m=53 s=54
